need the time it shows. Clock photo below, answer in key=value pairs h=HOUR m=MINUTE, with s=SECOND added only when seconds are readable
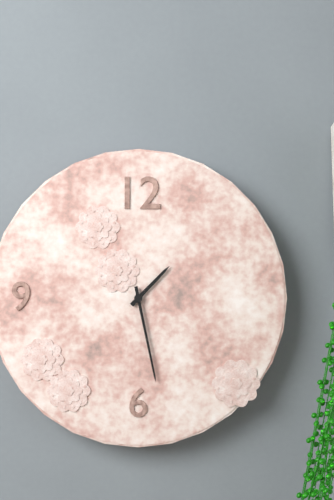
h=1 m=28
